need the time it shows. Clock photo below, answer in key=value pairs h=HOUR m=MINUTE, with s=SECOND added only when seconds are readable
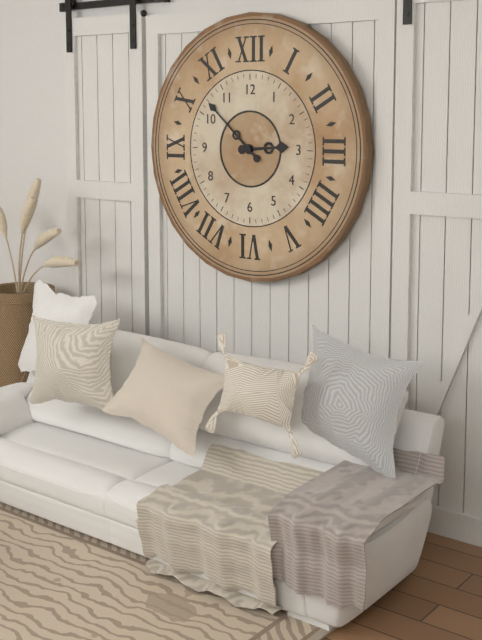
h=2 m=52
